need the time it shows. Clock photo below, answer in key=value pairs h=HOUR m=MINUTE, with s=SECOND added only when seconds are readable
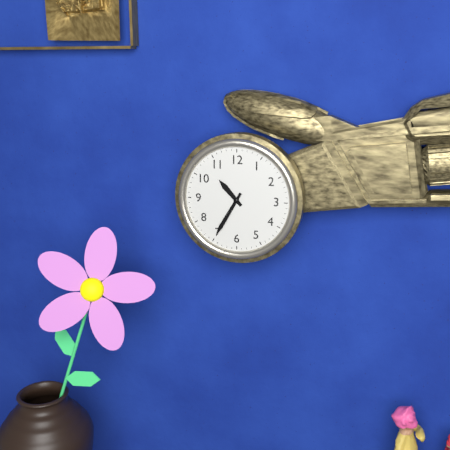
h=10 m=35
